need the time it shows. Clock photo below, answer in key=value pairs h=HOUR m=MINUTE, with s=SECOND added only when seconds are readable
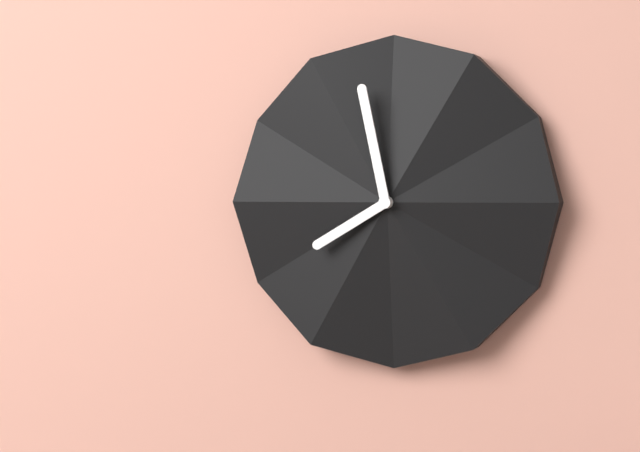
h=7 m=58
